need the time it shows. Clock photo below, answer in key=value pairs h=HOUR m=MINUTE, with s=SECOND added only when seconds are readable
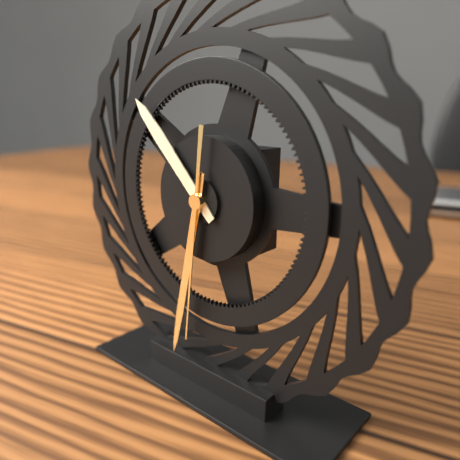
h=10 m=32 s=31
